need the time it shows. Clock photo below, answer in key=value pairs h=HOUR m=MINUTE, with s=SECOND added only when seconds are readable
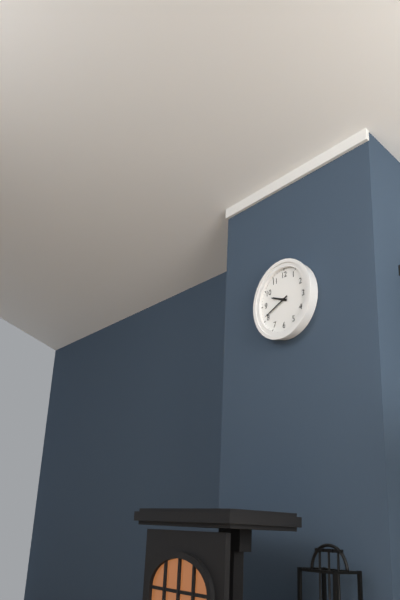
h=9 m=41
